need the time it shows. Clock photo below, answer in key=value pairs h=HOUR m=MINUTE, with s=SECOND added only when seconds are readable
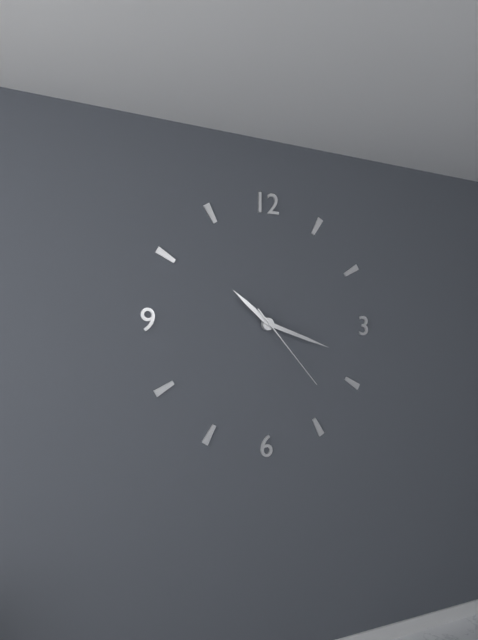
h=10 m=18 s=23
